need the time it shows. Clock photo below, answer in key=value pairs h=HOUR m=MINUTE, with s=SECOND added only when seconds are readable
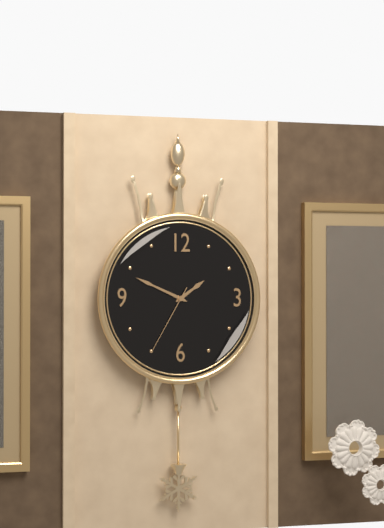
h=1 m=49 s=35
